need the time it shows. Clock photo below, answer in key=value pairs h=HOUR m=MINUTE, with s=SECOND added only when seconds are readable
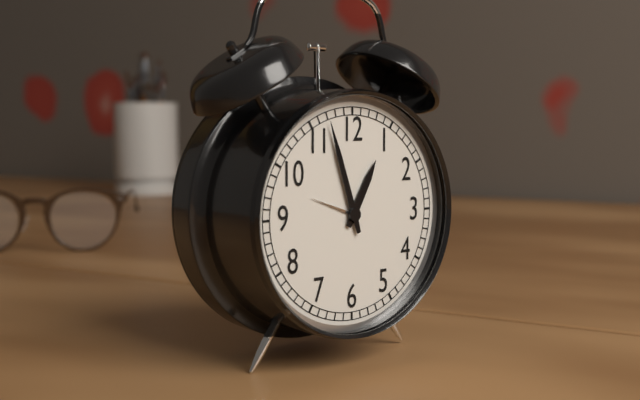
h=12 m=57
